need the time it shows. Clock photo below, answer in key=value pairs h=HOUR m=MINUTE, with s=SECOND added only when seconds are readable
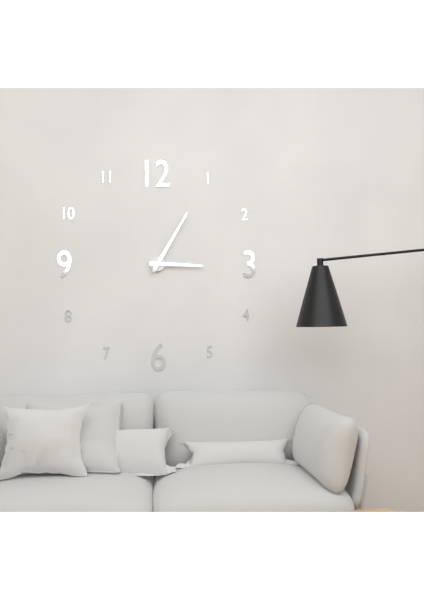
h=3 m=5
